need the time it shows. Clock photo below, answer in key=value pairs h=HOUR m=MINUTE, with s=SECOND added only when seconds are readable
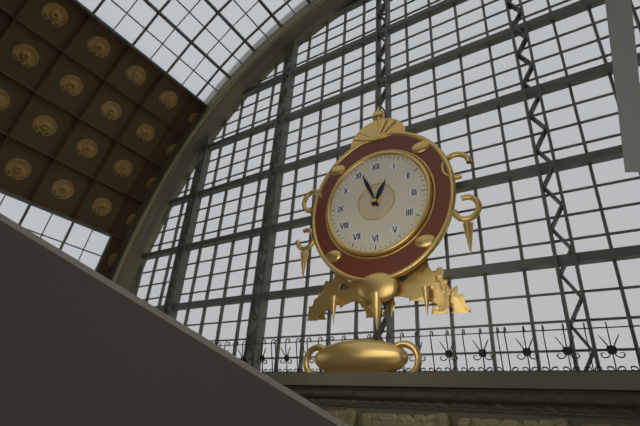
h=12 m=56
